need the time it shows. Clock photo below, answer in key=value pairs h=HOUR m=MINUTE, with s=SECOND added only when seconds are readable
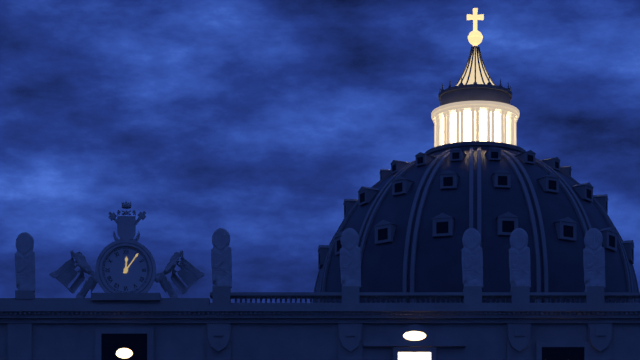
h=12 m=6
